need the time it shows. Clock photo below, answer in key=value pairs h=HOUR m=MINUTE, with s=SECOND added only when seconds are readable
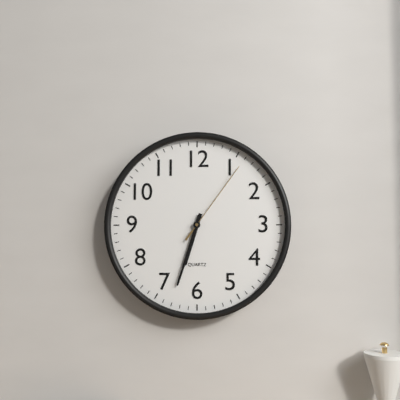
h=6 m=33 s=6
